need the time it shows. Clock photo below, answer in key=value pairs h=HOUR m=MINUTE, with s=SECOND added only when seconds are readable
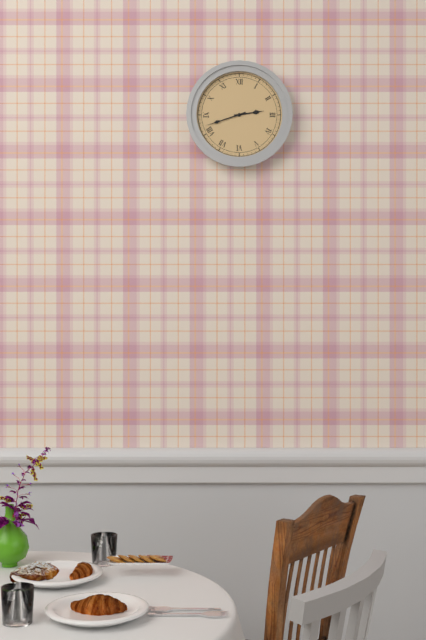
h=2 m=42
